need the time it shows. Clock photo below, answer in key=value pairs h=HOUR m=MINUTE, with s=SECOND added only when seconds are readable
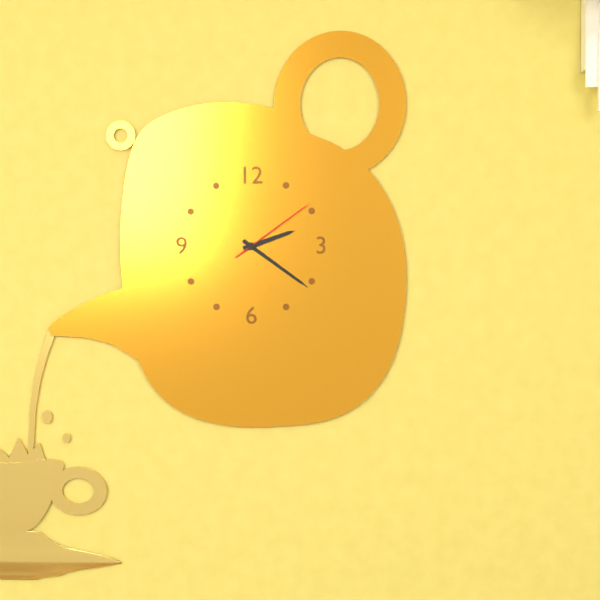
h=2 m=21 s=9
